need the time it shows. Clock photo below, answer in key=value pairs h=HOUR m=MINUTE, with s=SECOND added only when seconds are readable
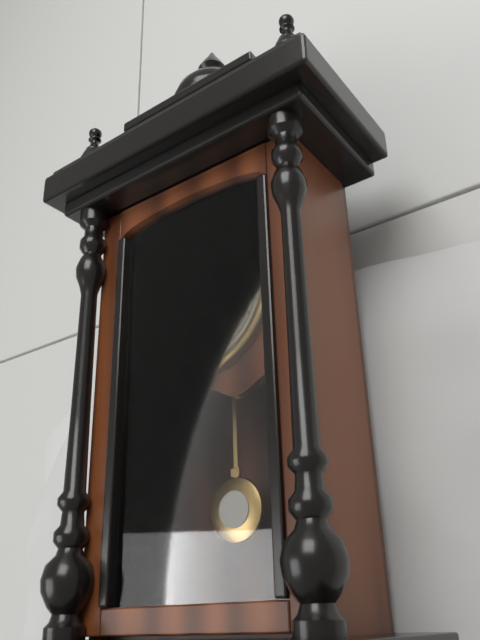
h=8 m=7
